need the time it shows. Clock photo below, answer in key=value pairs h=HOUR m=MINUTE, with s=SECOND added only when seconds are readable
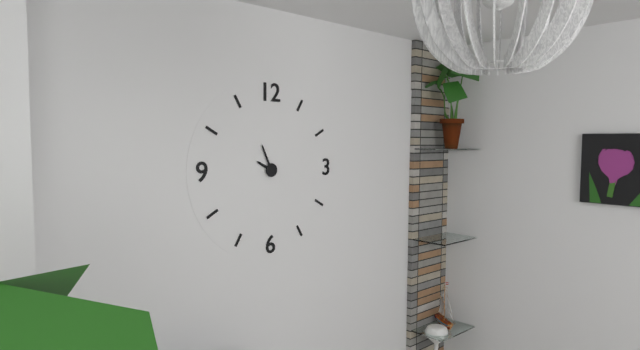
h=9 m=56
